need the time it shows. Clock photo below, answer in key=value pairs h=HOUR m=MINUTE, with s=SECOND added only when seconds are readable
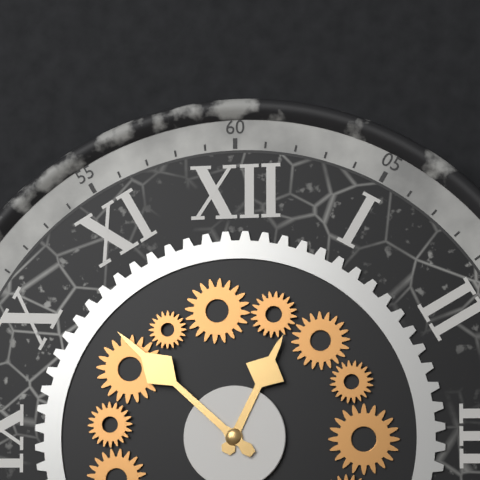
h=12 m=52
